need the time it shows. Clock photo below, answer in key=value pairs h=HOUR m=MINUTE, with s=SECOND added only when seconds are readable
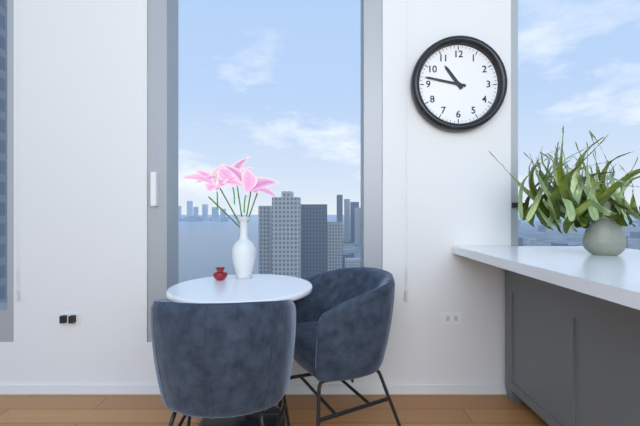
h=10 m=47
